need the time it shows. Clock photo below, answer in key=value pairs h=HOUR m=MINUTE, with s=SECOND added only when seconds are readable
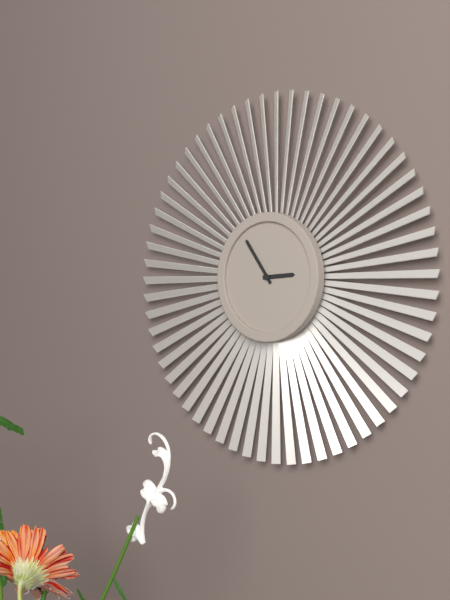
h=2 m=54
